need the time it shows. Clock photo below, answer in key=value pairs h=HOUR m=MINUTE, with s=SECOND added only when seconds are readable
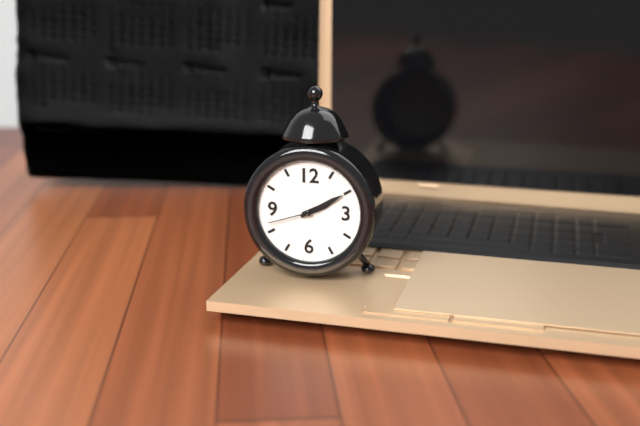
h=2 m=10 s=42
